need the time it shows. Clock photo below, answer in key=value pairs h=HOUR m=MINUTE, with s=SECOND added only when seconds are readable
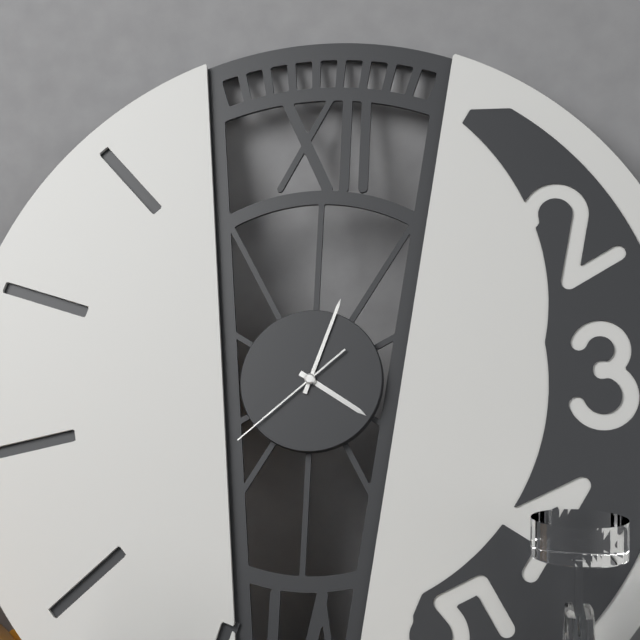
h=4 m=3 s=38
